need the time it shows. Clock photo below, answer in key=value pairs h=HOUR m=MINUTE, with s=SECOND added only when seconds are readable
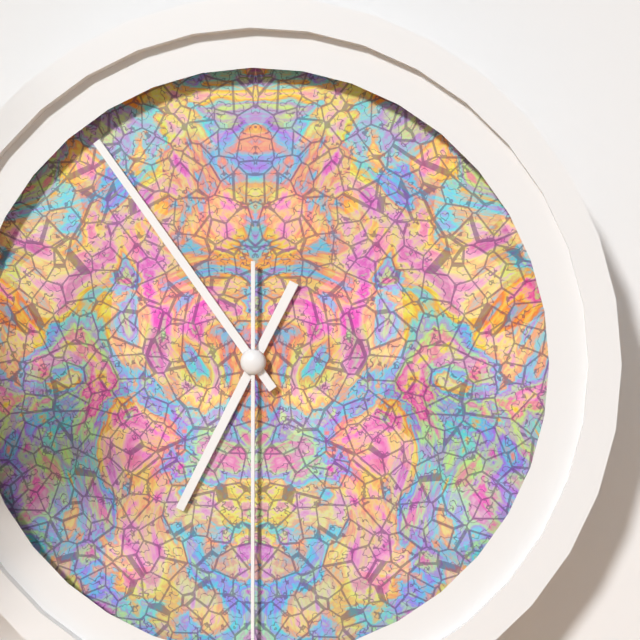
h=6 m=54
